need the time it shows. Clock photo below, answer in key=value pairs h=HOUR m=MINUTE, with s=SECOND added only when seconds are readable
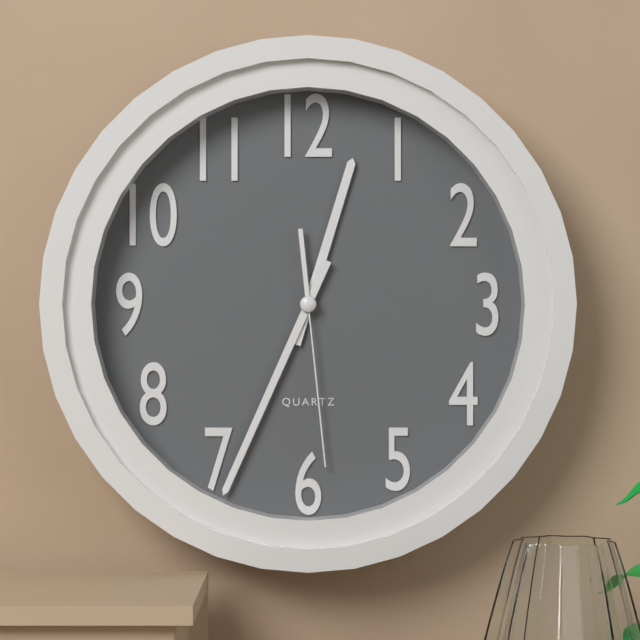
h=12 m=34 s=29
